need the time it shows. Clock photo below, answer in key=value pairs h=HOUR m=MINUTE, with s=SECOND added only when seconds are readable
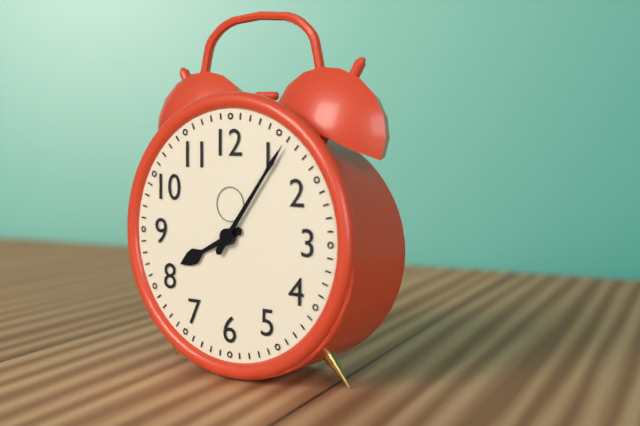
h=8 m=6
